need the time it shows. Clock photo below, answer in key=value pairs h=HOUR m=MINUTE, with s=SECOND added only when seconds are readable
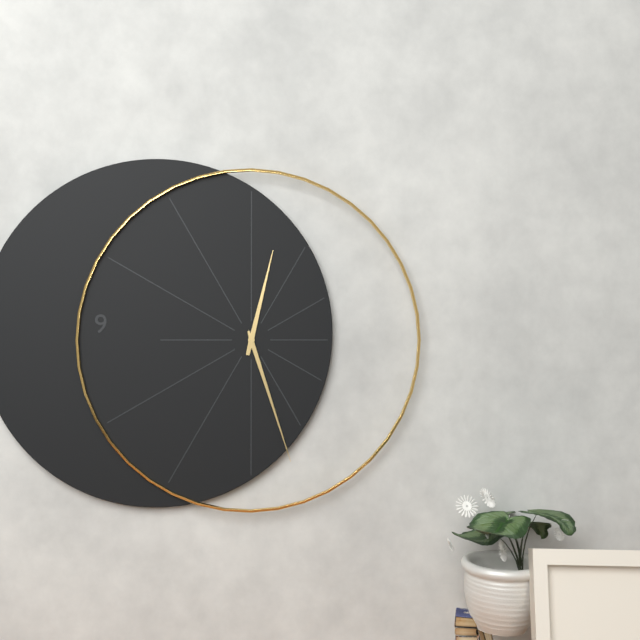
h=12 m=27
